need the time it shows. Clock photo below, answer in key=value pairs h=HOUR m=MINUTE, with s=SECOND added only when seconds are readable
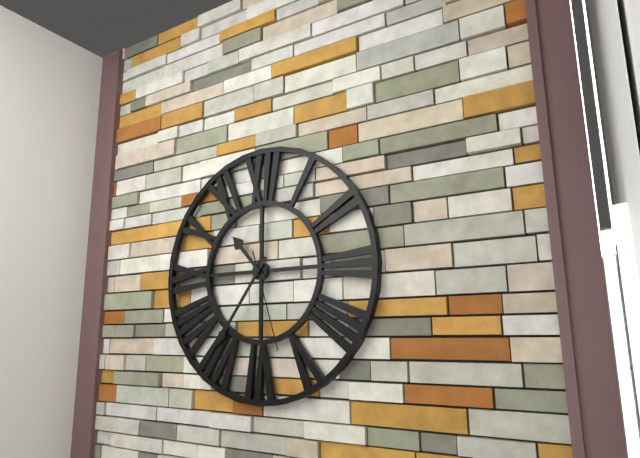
h=10 m=36 s=27
